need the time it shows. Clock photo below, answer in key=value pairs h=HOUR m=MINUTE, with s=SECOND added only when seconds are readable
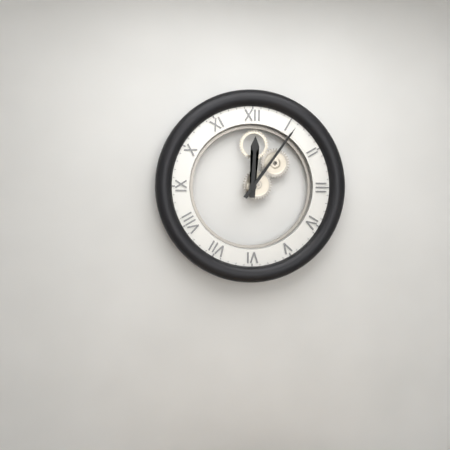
h=12 m=6
